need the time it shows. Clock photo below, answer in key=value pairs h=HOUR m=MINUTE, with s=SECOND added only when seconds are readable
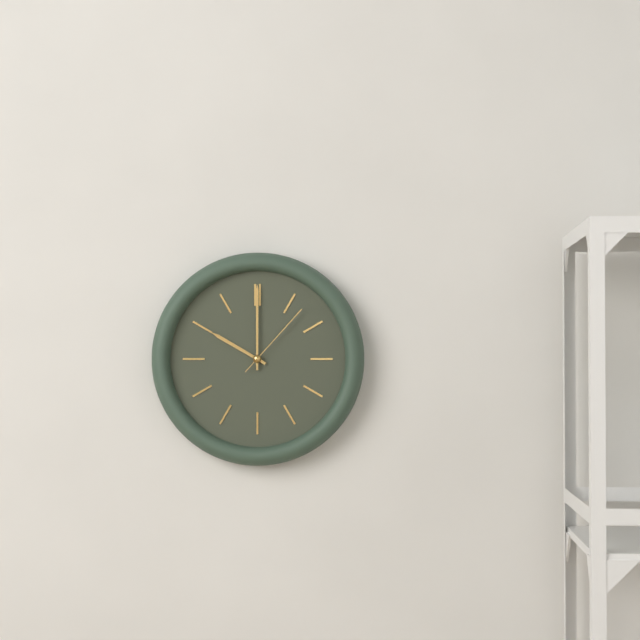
h=10 m=0 s=7
